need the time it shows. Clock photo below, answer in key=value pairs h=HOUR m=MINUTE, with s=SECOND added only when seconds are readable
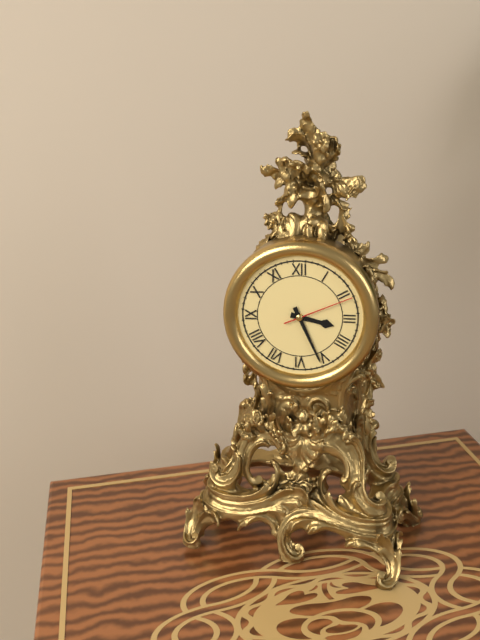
h=3 m=26 s=11
